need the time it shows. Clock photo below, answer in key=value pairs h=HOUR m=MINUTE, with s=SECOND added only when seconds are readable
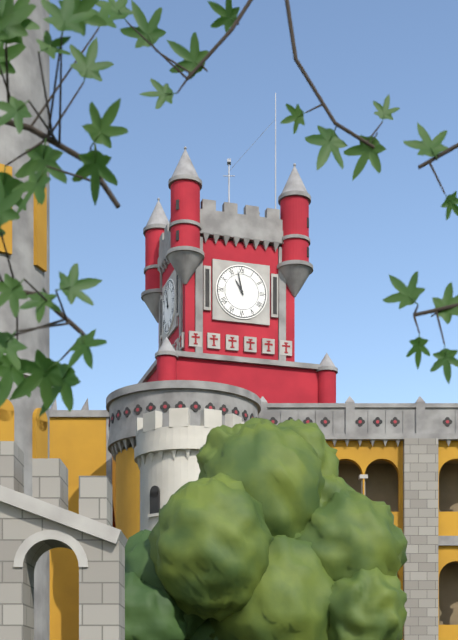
h=10 m=58
